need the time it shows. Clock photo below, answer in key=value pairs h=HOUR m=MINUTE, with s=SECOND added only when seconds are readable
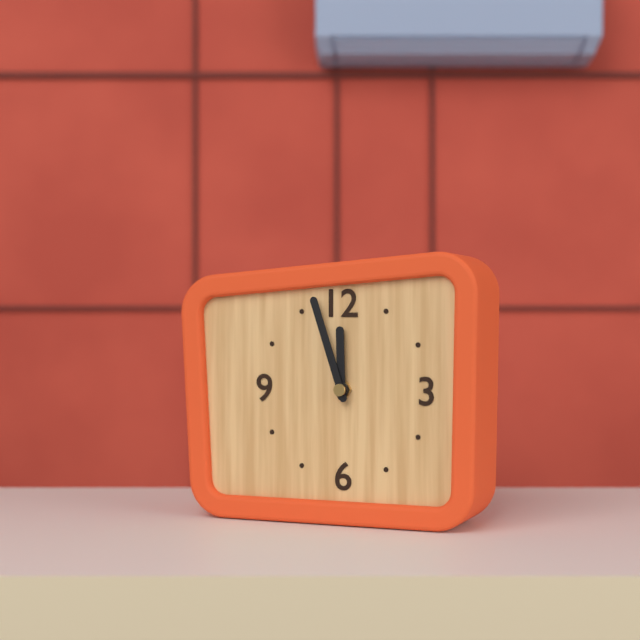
h=11 m=57
